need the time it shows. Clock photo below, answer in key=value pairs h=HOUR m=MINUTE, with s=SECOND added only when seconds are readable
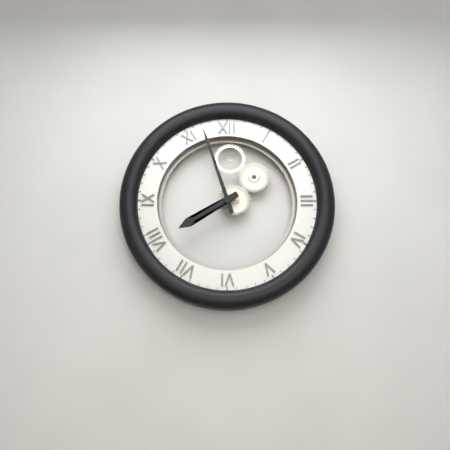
h=7 m=57
